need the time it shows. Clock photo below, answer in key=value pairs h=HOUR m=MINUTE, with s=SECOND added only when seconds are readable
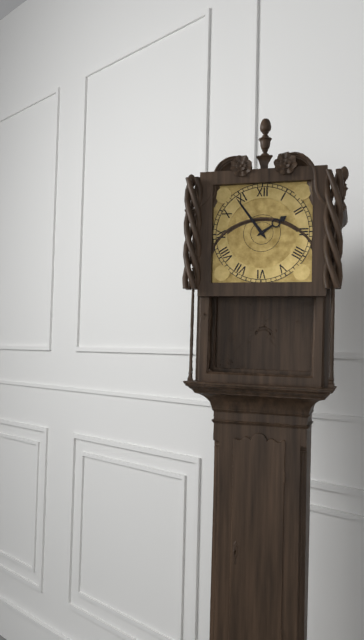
h=1 m=54
